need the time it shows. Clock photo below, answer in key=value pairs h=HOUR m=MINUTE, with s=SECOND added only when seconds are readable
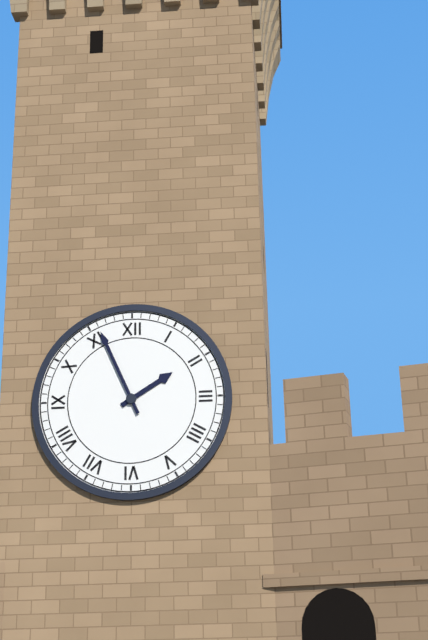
h=1 m=56
